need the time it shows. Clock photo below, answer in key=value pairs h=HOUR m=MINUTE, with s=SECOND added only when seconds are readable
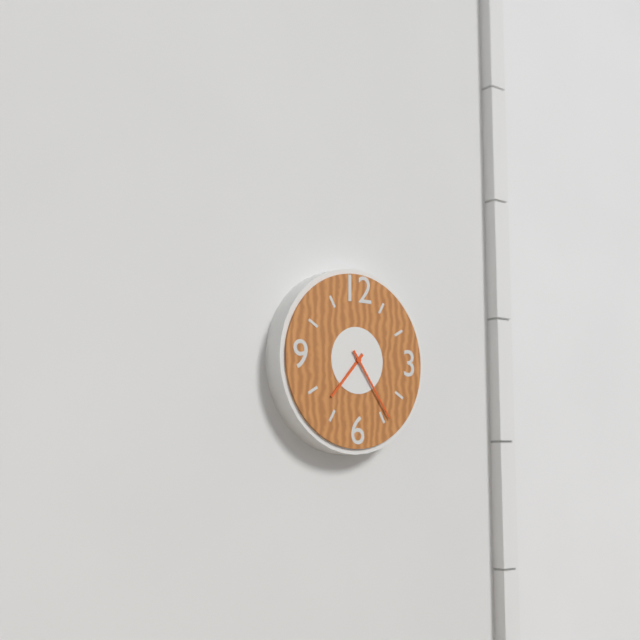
h=7 m=24
